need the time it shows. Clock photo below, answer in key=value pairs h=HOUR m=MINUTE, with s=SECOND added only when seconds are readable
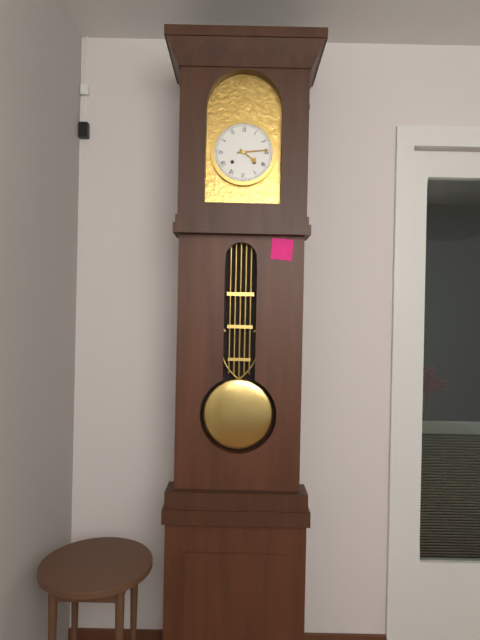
h=4 m=14
